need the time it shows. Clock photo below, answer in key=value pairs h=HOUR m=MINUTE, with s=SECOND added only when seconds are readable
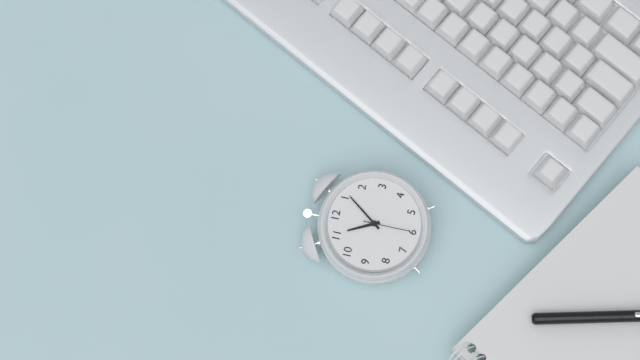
h=11 m=6
